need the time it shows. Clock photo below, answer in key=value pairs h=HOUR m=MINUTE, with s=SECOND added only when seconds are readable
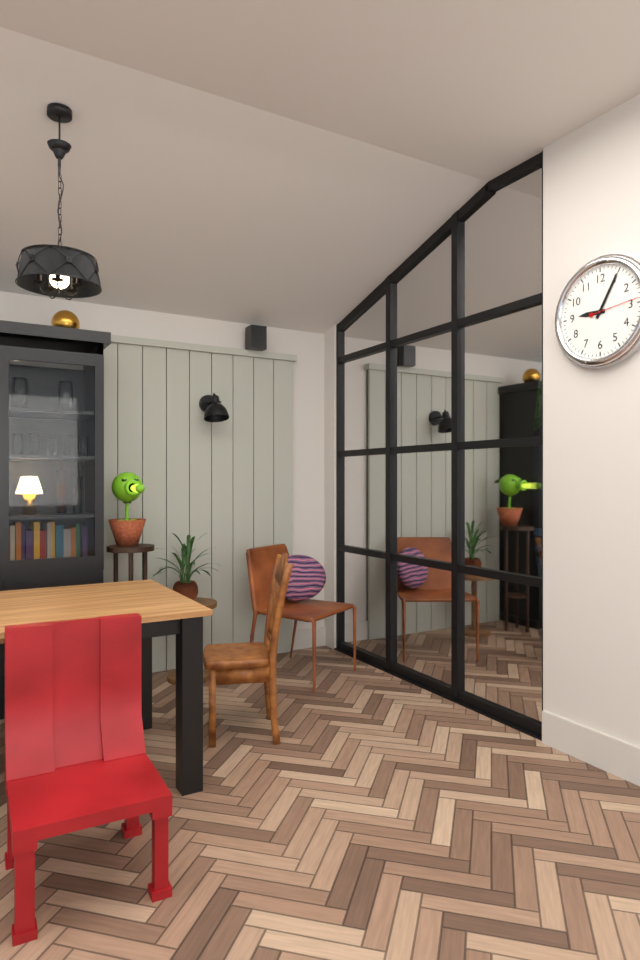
h=9 m=5 s=14
